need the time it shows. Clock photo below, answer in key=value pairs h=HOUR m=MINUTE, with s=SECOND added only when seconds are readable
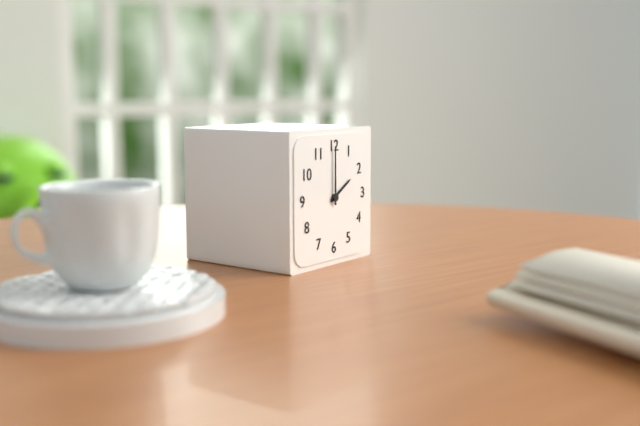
h=2 m=0
